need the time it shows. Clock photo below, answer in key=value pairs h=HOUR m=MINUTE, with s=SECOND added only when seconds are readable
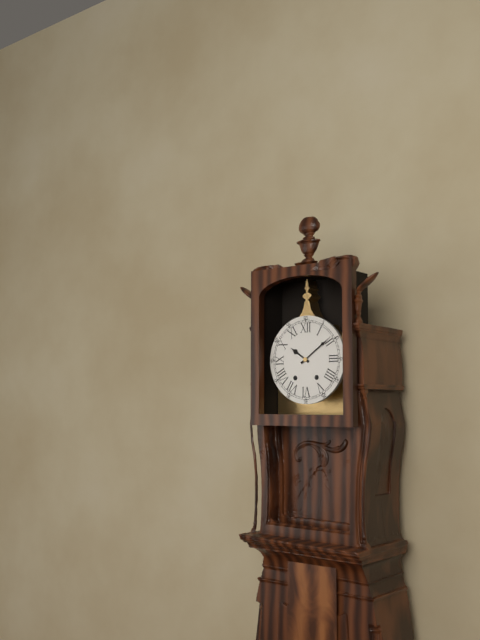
h=10 m=9
